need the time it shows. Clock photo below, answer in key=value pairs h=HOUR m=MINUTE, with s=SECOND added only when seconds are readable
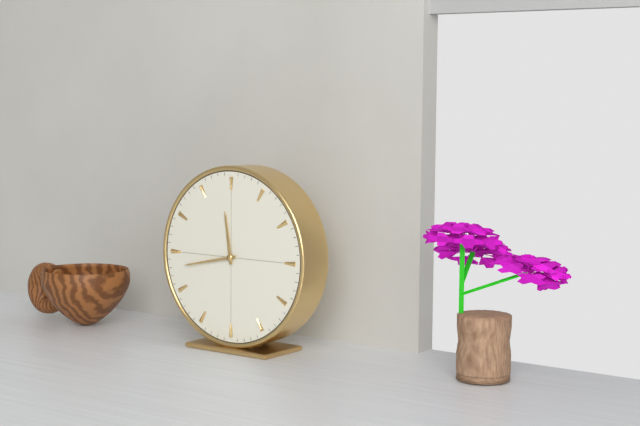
h=11 m=43
